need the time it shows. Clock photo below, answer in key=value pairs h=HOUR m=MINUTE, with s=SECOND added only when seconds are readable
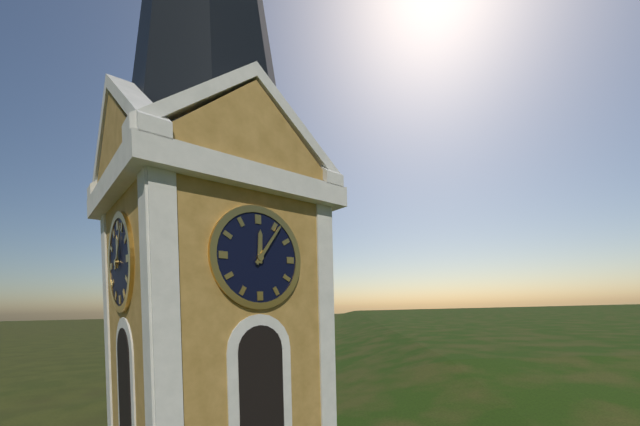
h=12 m=6
